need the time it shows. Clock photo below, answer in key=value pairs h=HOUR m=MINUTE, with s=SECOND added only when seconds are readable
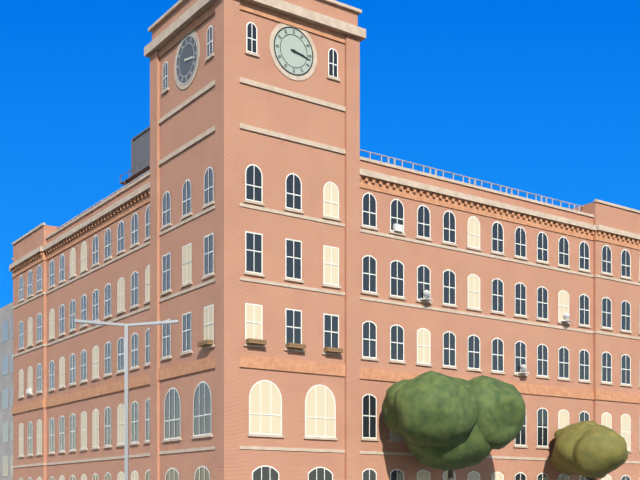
h=3 m=17
